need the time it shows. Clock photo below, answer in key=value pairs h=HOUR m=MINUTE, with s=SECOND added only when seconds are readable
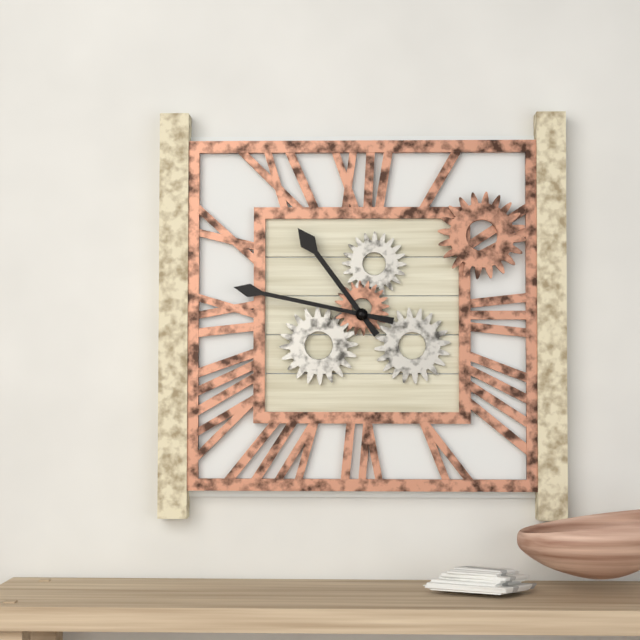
h=10 m=47
